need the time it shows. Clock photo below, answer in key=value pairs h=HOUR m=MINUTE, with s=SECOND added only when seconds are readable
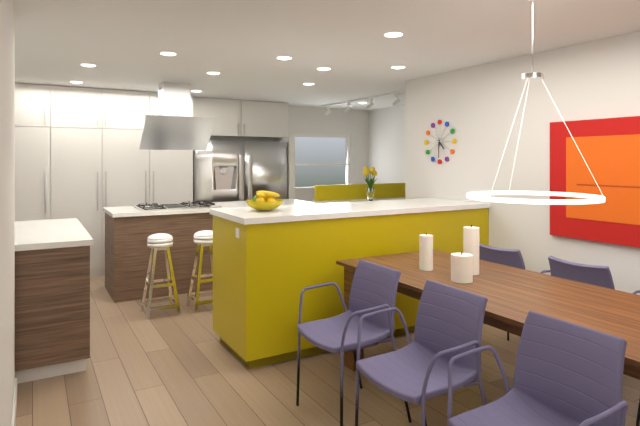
h=4 m=30
